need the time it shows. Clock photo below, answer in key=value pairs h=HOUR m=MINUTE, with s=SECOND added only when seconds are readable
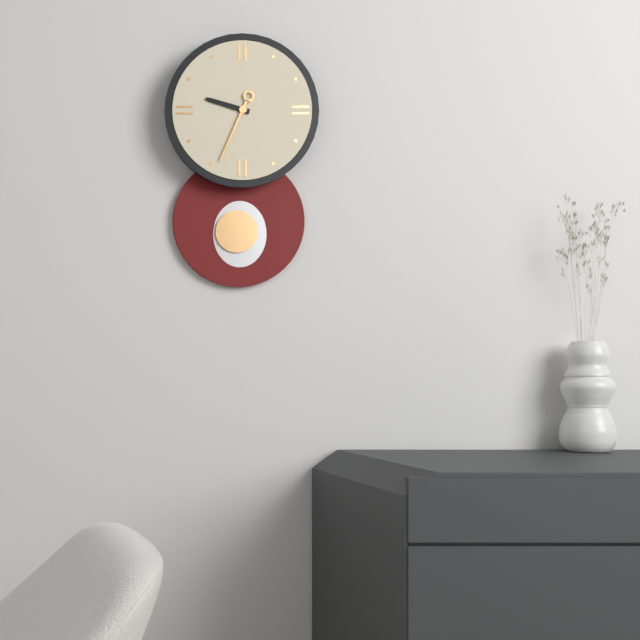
h=9 m=34
